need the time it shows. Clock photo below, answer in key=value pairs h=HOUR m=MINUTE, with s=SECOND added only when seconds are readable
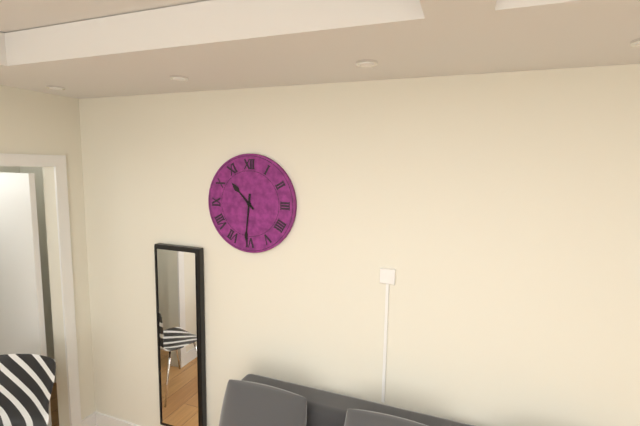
h=10 m=31
